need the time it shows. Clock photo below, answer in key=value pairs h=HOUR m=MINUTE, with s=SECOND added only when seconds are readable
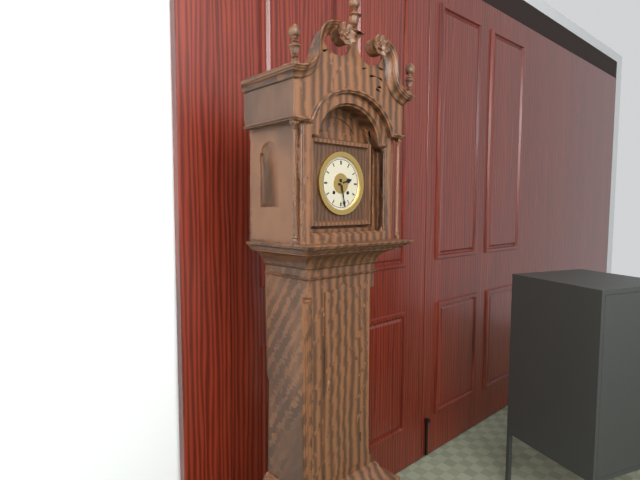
h=2 m=28
